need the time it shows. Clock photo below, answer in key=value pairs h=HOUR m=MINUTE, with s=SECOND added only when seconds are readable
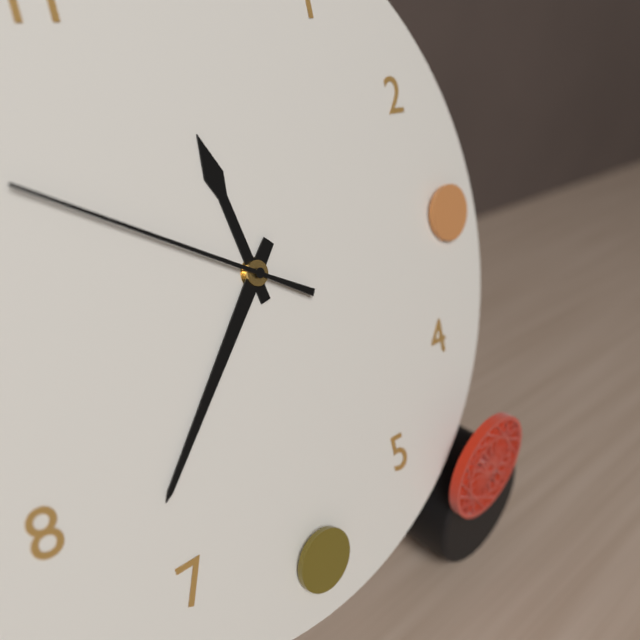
h=11 m=37 s=50
